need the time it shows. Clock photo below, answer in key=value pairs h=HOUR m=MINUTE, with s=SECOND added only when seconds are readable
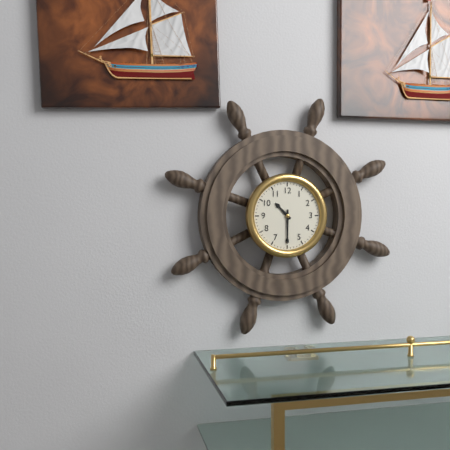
h=10 m=30
